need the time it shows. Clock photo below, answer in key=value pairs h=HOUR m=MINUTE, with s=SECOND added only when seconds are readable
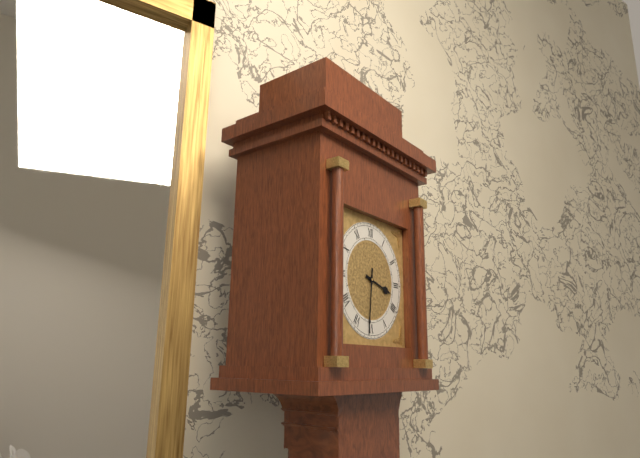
h=3 m=31
